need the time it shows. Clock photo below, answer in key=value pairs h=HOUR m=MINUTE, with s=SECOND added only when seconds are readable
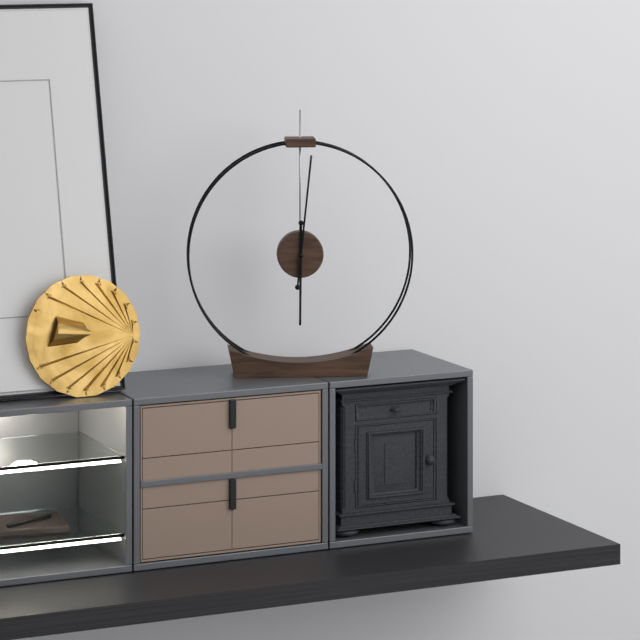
h=6 m=1
